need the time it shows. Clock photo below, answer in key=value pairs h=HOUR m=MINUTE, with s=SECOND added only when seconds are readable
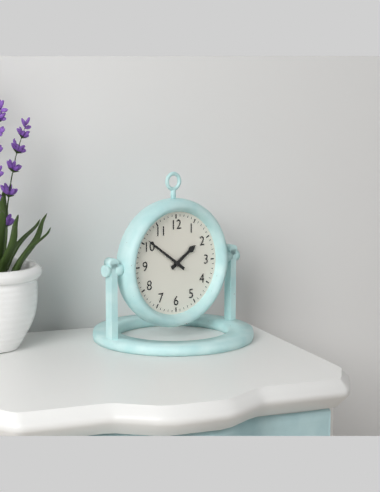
h=1 m=51
